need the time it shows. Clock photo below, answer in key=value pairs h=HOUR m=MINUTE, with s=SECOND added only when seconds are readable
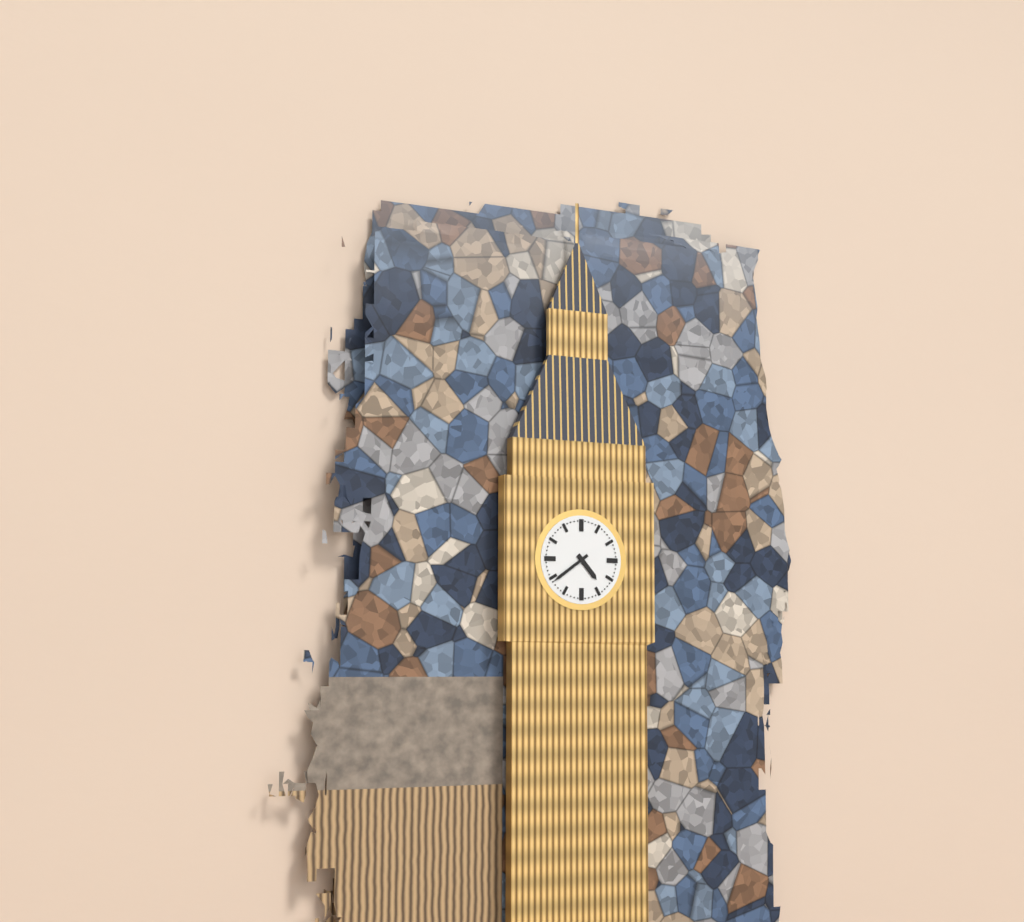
h=4 m=39
